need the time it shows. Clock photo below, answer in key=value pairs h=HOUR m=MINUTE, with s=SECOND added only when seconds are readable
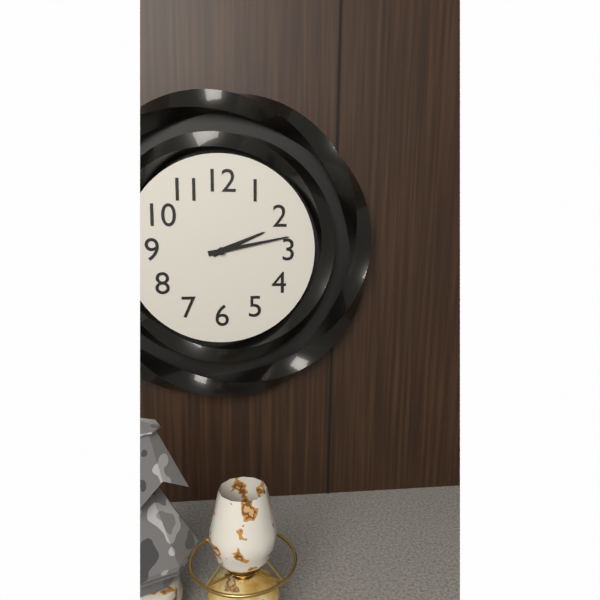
h=2 m=13
